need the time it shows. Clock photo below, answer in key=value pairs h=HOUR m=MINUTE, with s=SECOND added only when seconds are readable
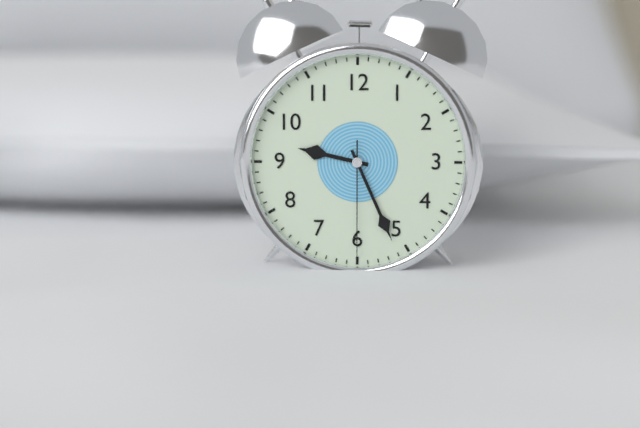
h=9 m=26 s=30
